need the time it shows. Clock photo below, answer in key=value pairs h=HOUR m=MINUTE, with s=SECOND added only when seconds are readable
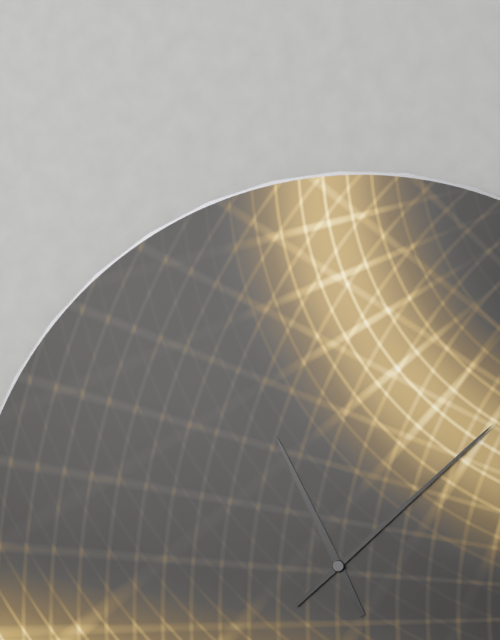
h=11 m=8
